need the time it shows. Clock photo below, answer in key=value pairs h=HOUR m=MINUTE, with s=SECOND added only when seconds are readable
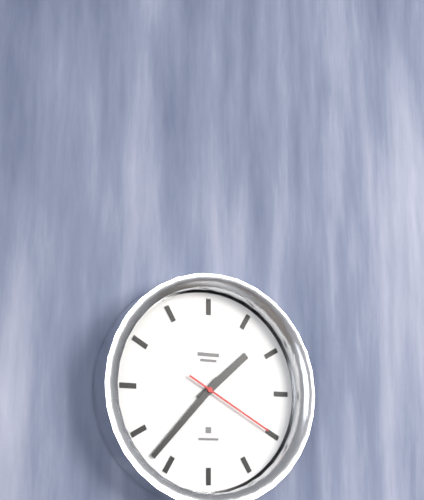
h=1 m=37 s=20
